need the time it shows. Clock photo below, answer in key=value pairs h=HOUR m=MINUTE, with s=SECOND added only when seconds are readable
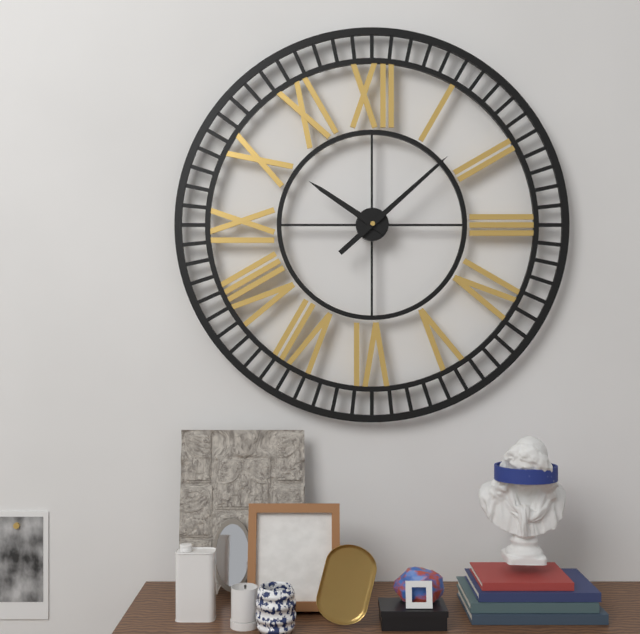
h=10 m=8
